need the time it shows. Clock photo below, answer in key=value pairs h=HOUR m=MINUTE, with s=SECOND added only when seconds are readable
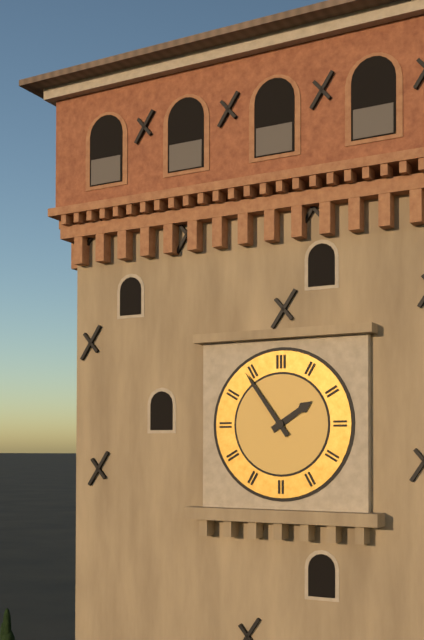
h=1 m=54
